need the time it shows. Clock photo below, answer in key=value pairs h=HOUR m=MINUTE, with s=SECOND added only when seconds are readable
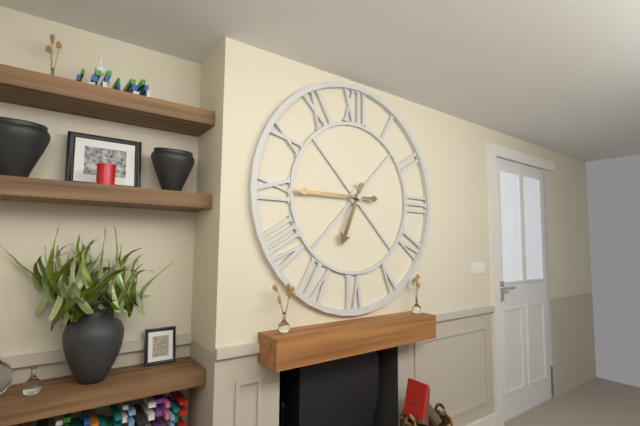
h=6 m=45
